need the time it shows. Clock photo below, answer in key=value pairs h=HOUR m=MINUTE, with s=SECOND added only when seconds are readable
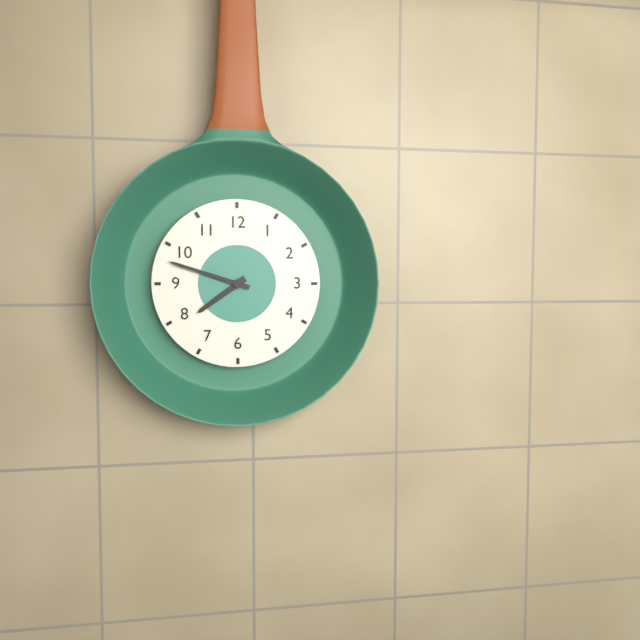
h=7 m=48
